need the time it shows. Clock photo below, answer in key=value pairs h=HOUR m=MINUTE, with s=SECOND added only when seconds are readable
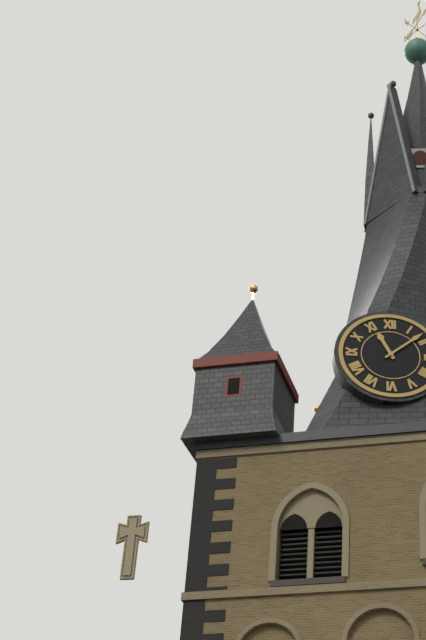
h=11 m=8
